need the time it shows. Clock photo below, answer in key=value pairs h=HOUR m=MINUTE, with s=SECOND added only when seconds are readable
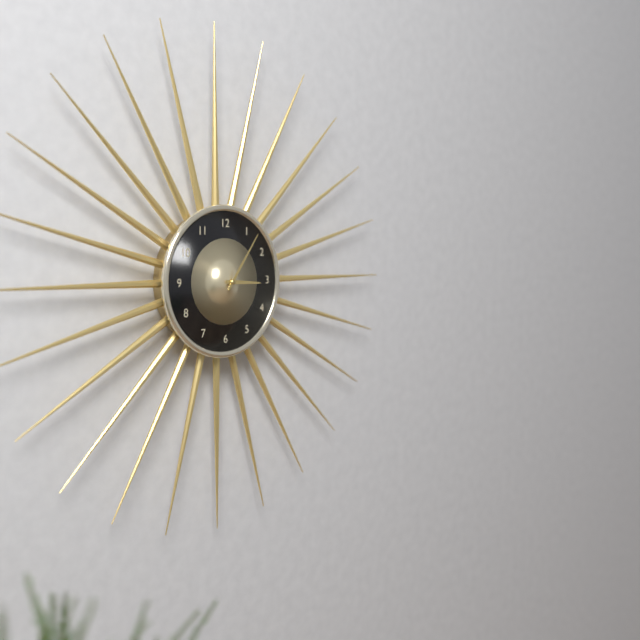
h=3 m=6
